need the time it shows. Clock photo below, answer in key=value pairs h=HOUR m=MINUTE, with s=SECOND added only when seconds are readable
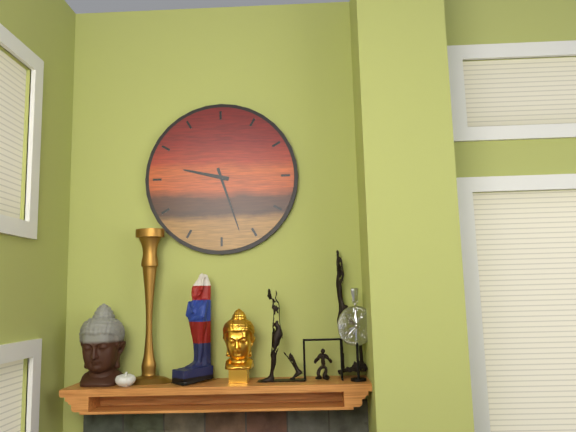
h=9 m=27
